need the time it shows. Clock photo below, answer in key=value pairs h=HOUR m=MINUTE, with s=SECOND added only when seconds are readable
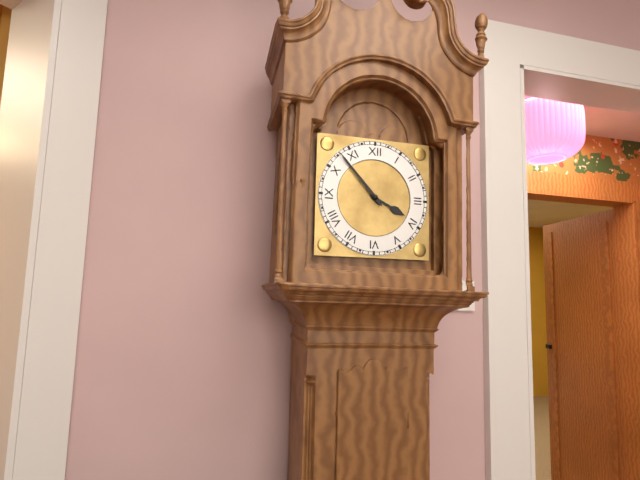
h=3 m=53
